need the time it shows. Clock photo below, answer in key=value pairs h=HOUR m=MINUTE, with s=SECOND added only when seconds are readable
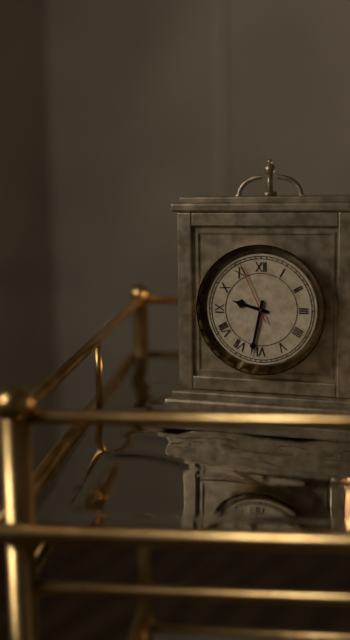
h=9 m=32 s=56
